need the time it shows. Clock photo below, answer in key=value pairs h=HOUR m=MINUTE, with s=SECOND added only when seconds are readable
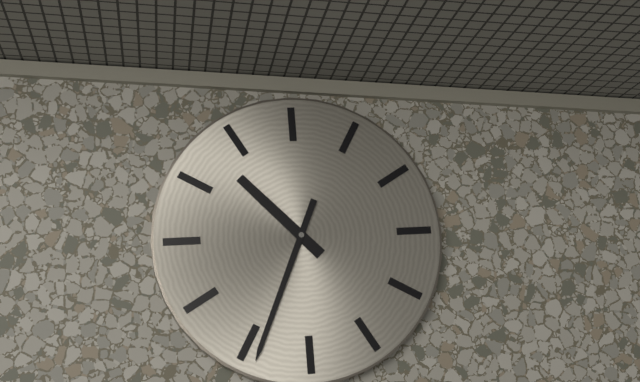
h=10 m=34
